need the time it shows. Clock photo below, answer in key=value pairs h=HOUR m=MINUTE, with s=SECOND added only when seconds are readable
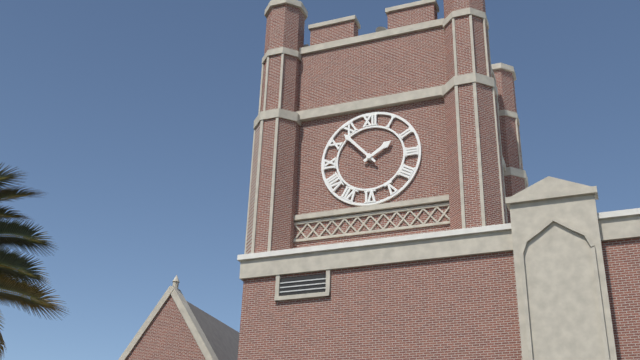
h=1 m=53
